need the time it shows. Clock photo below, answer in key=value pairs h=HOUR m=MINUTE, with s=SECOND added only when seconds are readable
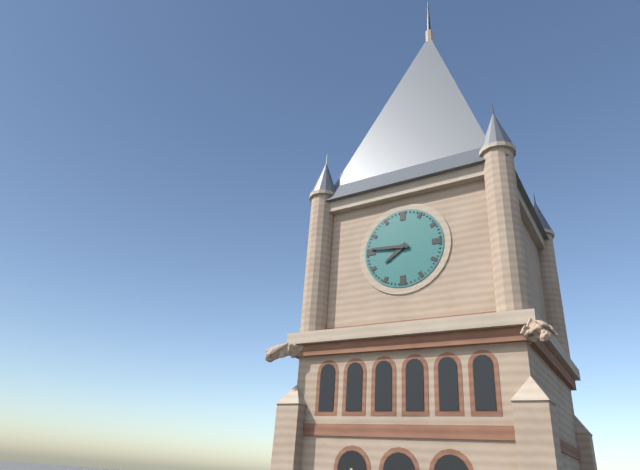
h=7 m=46
